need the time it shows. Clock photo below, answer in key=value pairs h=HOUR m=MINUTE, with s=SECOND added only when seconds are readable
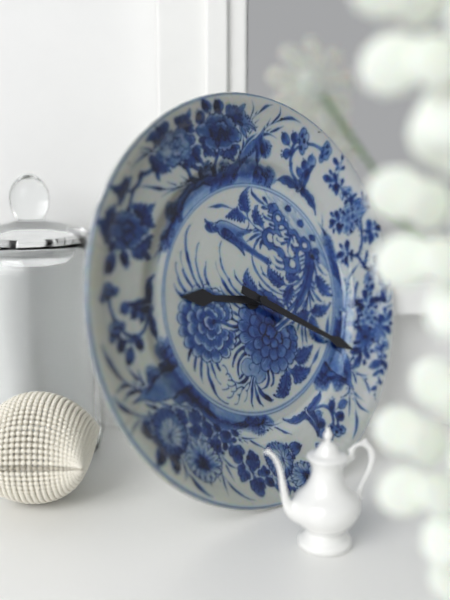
h=9 m=20
